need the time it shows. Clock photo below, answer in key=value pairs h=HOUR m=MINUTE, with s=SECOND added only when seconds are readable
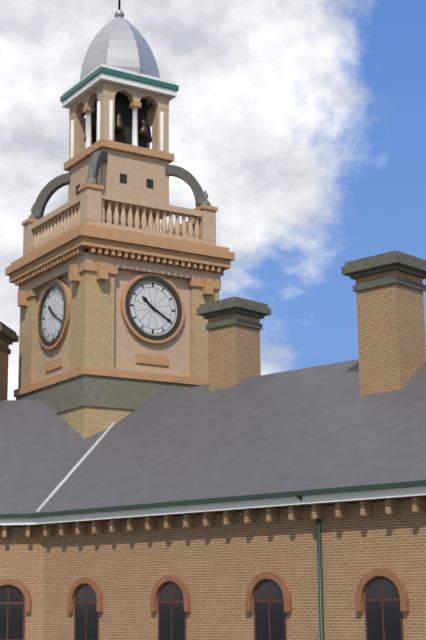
h=10 m=20
